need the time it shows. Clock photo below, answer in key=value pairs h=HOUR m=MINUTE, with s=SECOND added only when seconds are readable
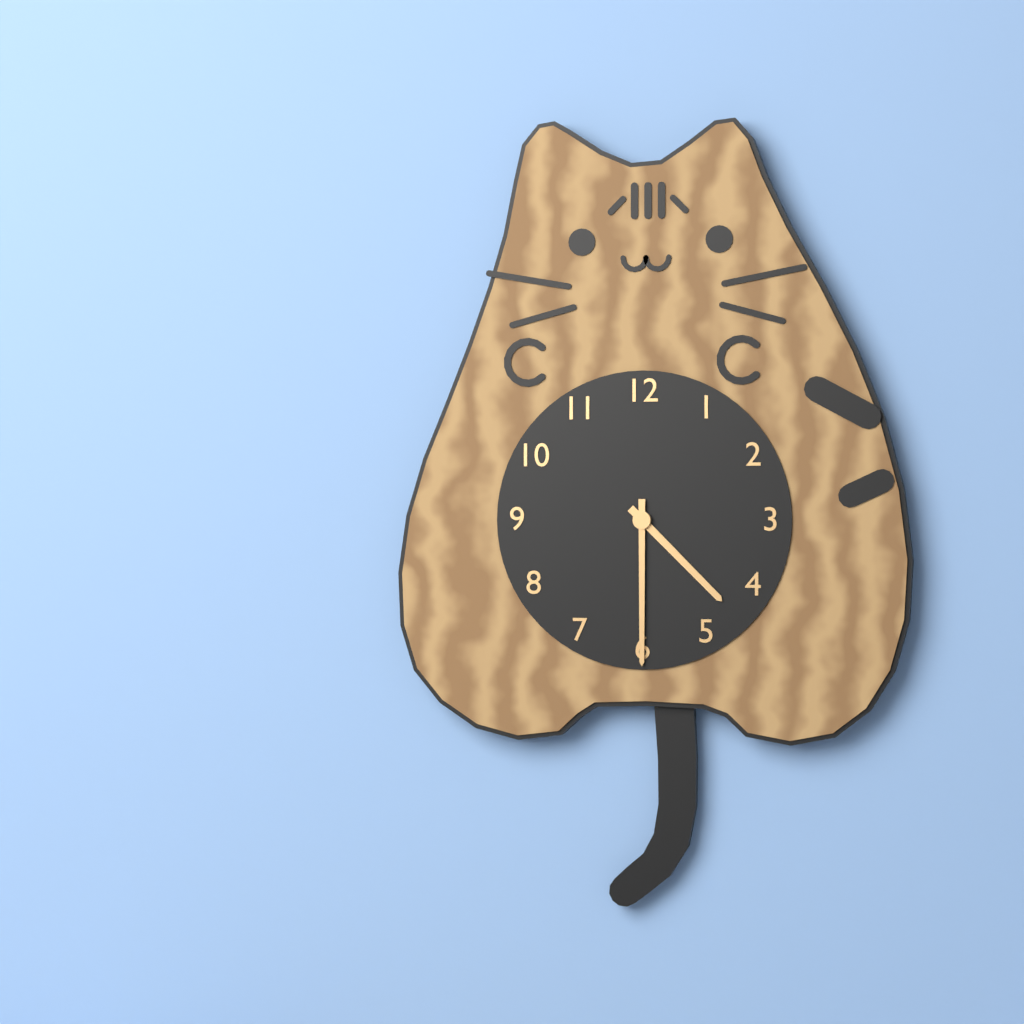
h=4 m=30
